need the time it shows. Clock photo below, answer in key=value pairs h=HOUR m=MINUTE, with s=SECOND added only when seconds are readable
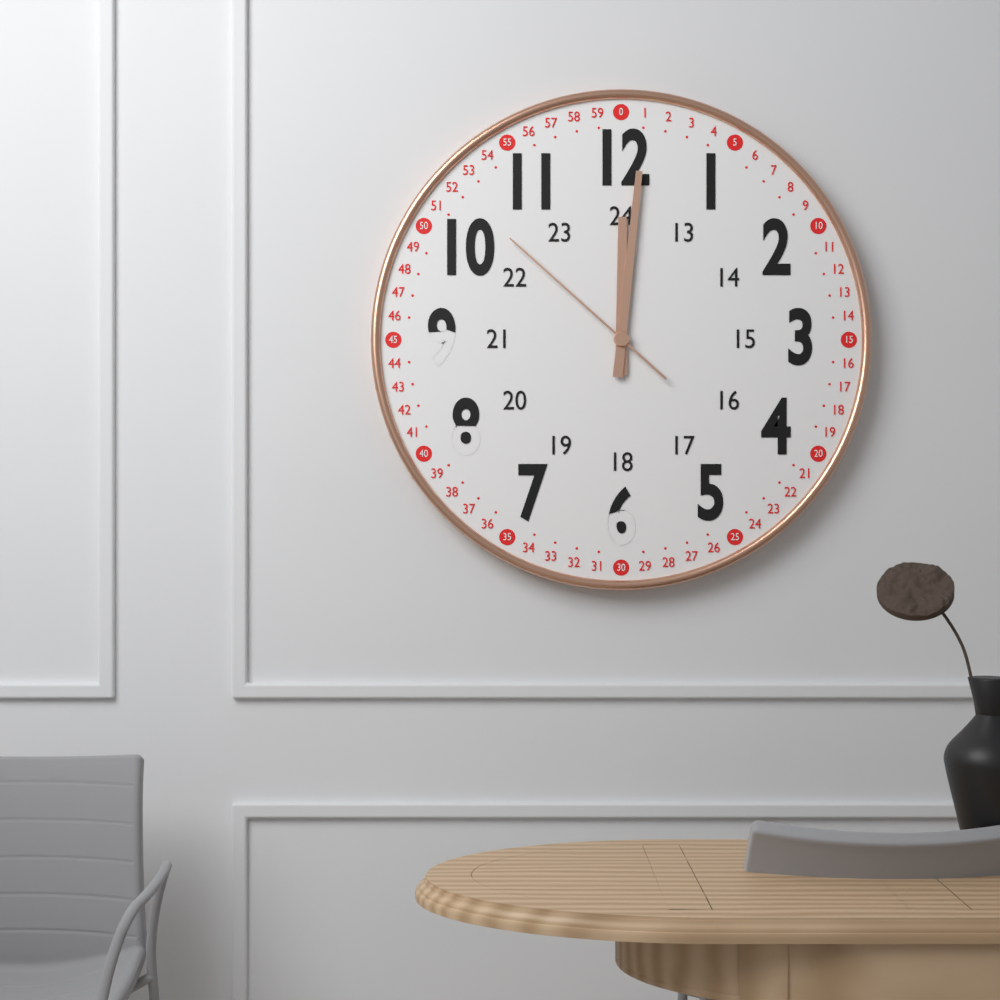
h=12 m=1 s=52
